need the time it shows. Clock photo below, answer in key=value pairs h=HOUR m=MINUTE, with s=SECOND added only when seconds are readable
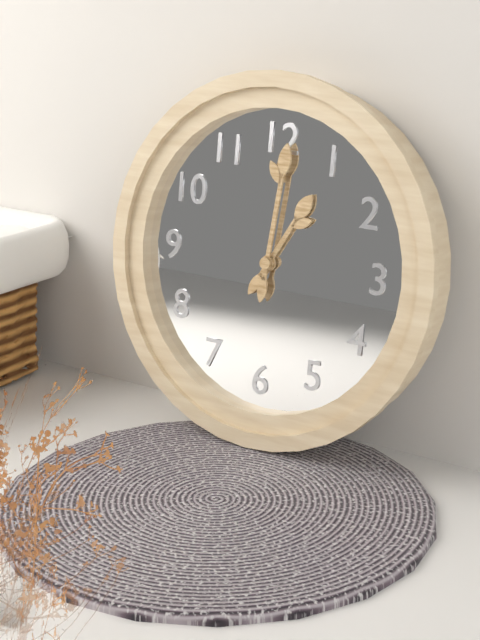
h=1 m=1
